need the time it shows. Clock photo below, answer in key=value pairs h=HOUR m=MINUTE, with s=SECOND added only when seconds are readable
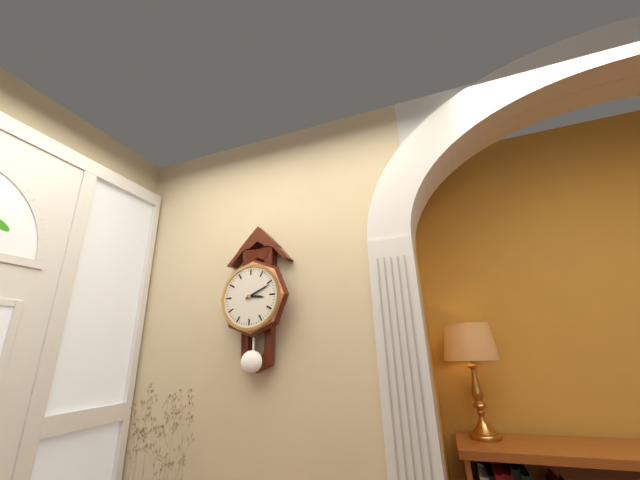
h=3 m=11
